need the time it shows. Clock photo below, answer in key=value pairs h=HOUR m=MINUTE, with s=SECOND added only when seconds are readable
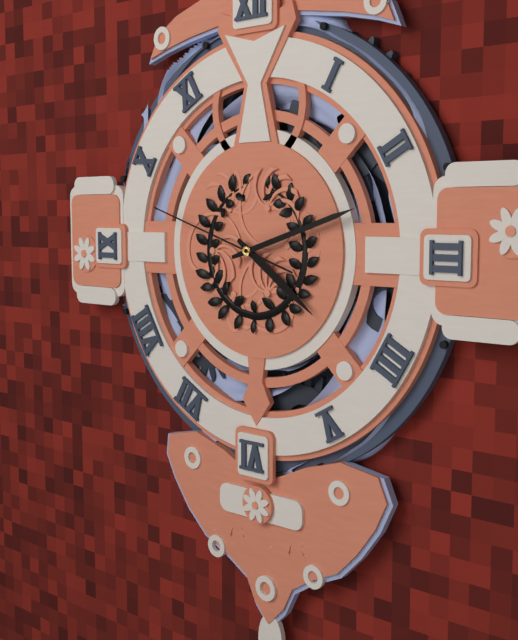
h=4 m=12 s=48
